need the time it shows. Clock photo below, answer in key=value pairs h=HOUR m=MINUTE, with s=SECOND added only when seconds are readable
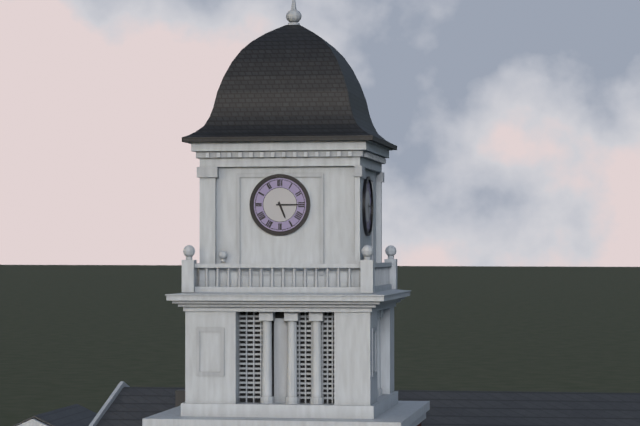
h=5 m=15
